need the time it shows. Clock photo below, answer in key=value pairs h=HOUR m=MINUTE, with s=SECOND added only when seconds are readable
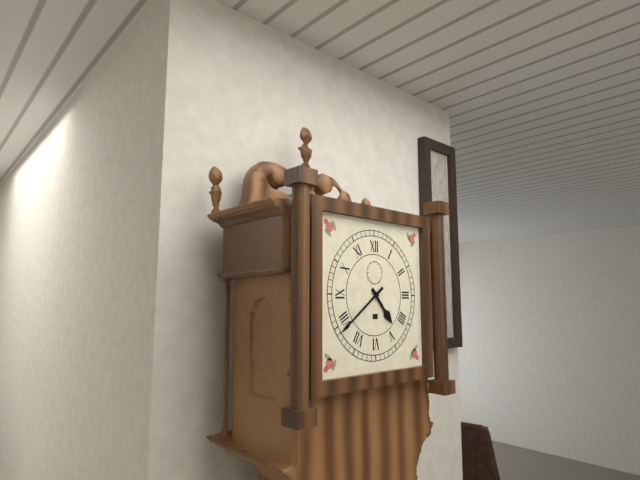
h=4 m=39
